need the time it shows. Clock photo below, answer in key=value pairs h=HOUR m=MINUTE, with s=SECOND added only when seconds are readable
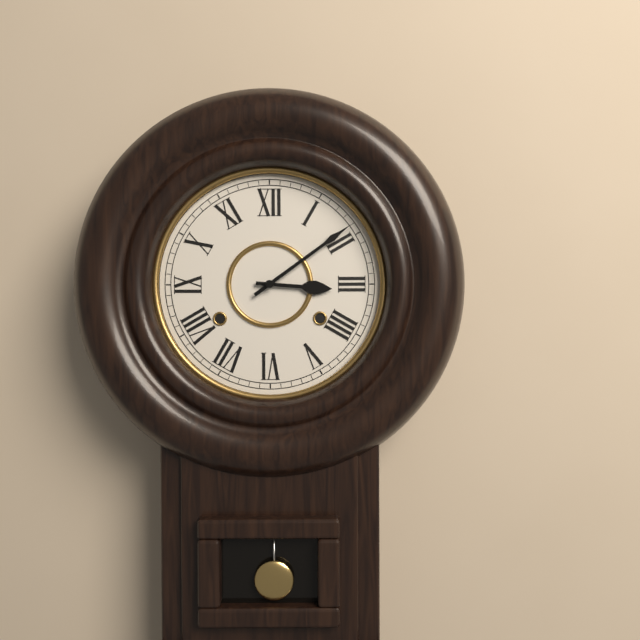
h=3 m=9
